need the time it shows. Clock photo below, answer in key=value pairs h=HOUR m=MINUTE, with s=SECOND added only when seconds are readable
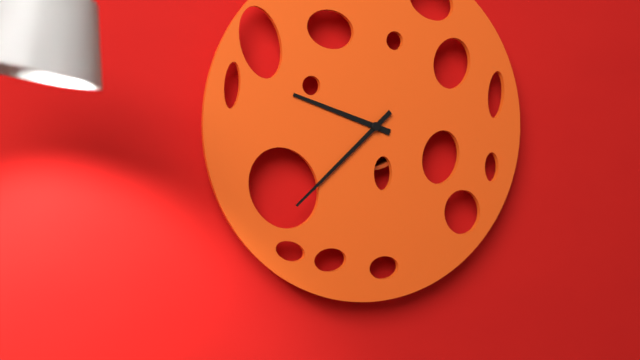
h=9 m=38
